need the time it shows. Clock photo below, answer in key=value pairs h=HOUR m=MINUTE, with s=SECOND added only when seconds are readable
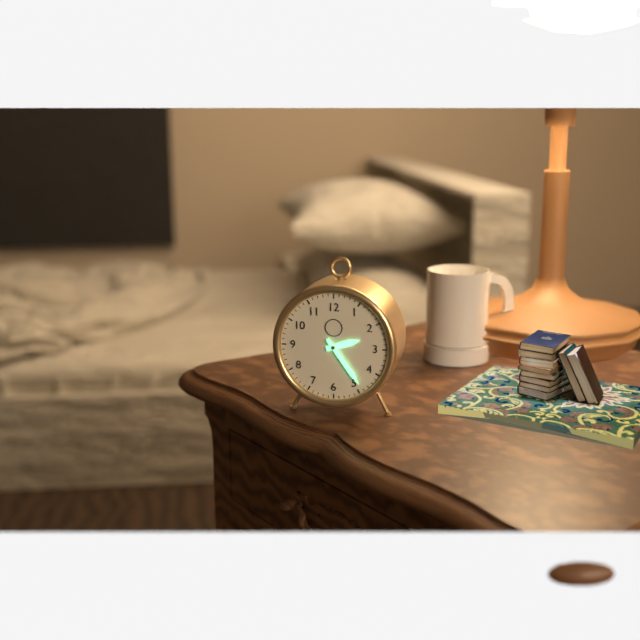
h=2 m=24
